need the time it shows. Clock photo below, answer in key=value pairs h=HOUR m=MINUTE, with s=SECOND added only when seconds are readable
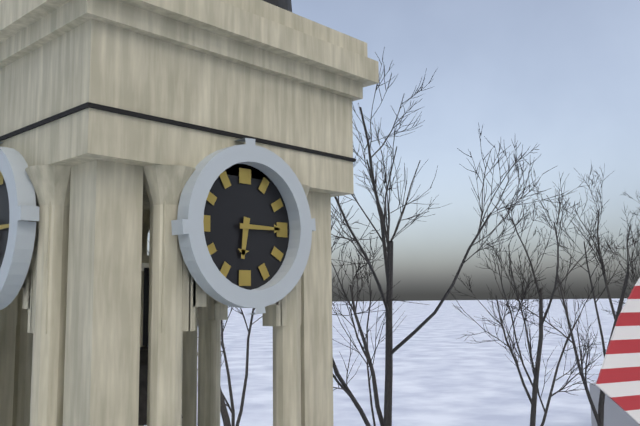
h=6 m=15
